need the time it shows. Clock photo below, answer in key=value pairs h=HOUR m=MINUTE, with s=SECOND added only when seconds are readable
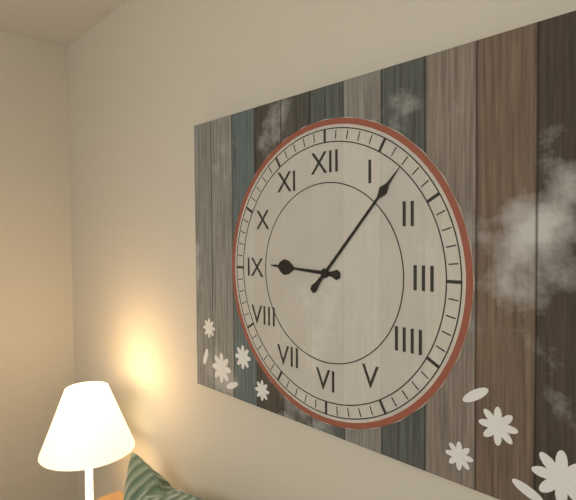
h=9 m=7
